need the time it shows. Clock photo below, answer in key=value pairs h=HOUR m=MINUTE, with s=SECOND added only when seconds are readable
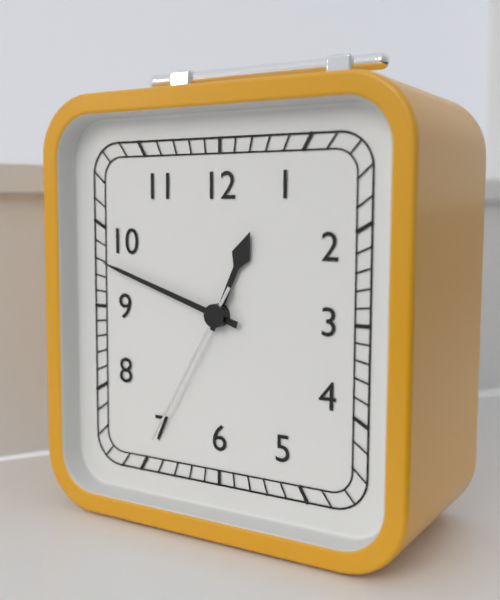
h=12 m=48 s=35
